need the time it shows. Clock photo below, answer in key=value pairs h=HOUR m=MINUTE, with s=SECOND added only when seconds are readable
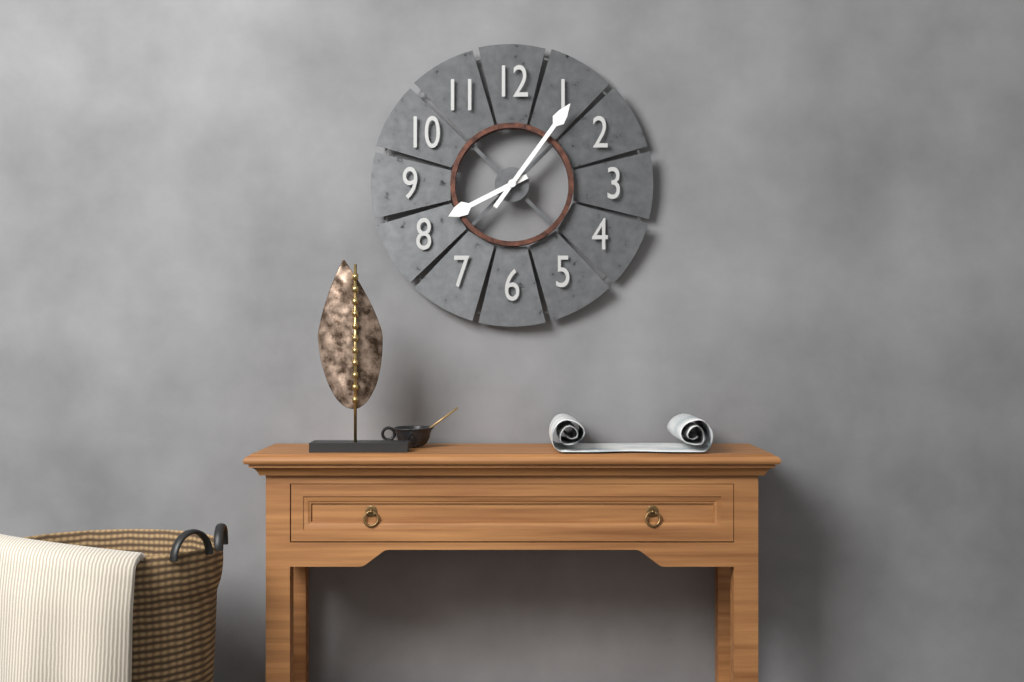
h=8 m=6
